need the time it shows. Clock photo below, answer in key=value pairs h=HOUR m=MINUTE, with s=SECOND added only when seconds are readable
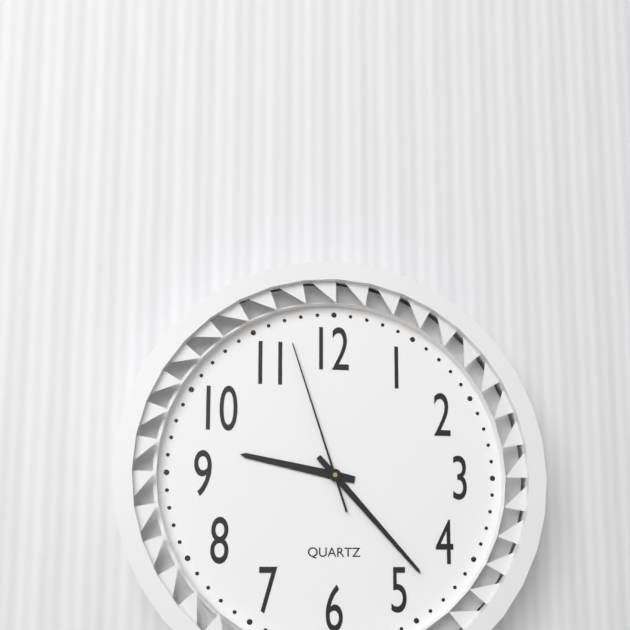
h=9 m=23 s=57
